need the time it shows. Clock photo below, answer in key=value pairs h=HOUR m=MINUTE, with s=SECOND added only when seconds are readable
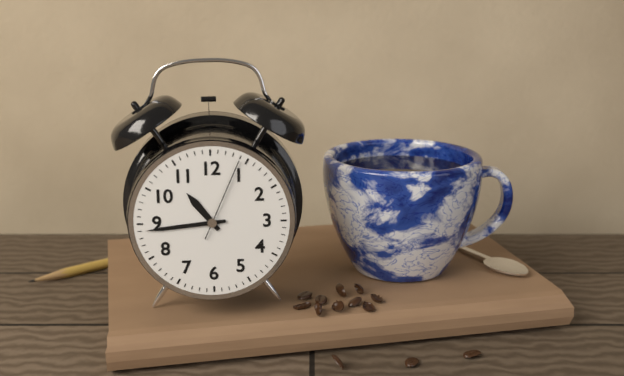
h=10 m=44 s=4
